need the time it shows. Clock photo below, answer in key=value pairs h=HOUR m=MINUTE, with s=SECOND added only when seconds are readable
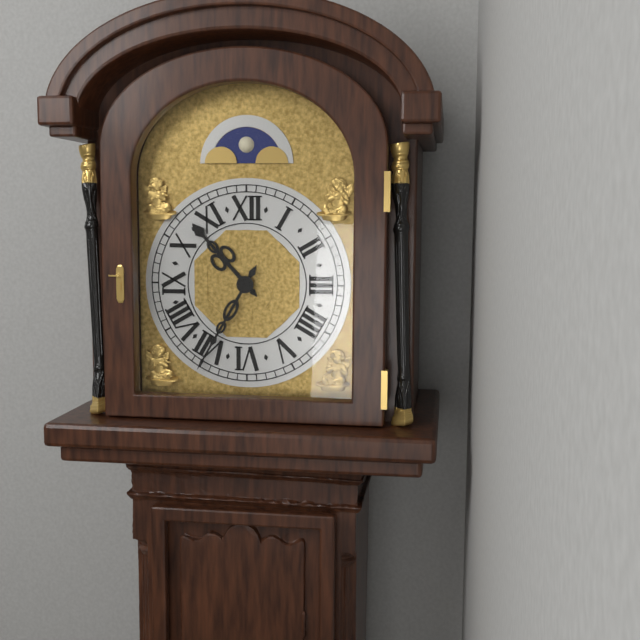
h=10 m=35
